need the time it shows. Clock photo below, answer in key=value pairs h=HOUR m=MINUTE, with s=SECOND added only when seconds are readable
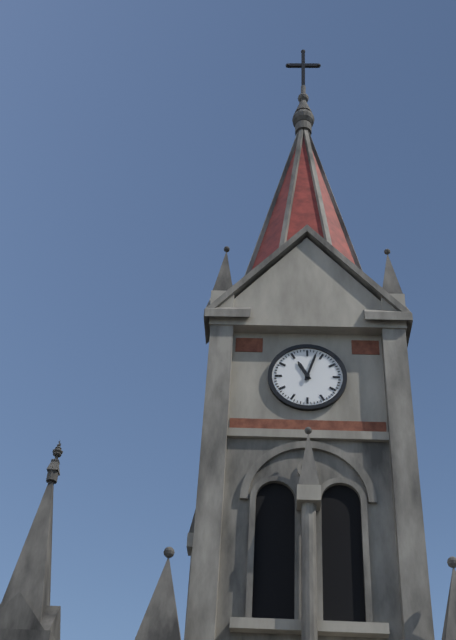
h=11 m=3
